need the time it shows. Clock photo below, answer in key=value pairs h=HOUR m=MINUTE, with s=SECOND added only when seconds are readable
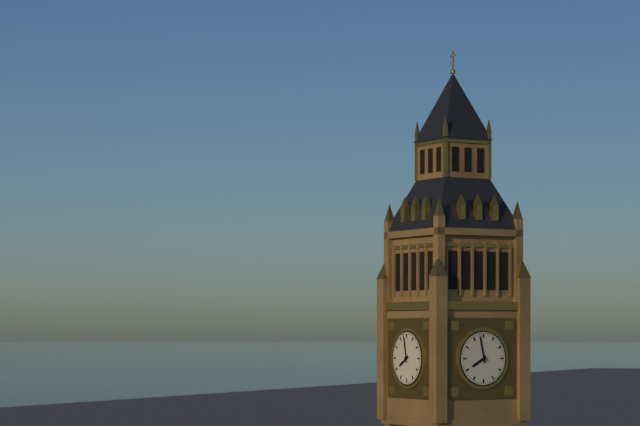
h=7 m=58
